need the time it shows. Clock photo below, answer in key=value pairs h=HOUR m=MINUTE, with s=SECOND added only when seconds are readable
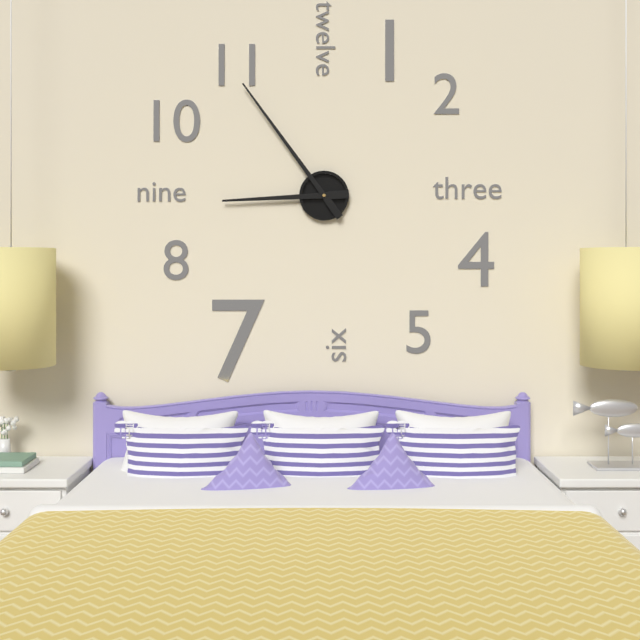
h=8 m=54
